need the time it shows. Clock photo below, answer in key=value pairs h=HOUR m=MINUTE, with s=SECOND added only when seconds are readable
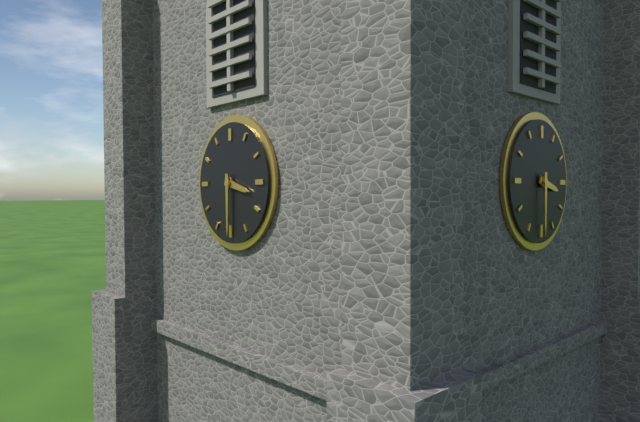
h=3 m=30
